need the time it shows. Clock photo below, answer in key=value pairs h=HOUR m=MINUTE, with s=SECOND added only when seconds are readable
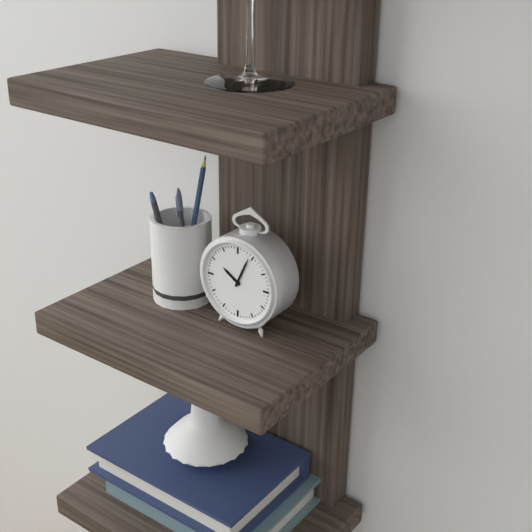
h=10 m=4
